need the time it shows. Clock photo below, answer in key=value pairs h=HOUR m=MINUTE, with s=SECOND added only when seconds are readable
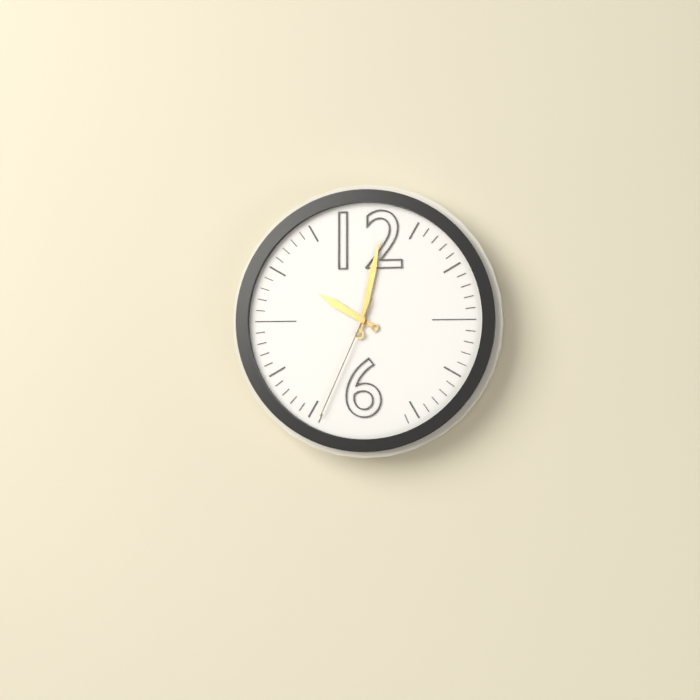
h=10 m=2 s=34
